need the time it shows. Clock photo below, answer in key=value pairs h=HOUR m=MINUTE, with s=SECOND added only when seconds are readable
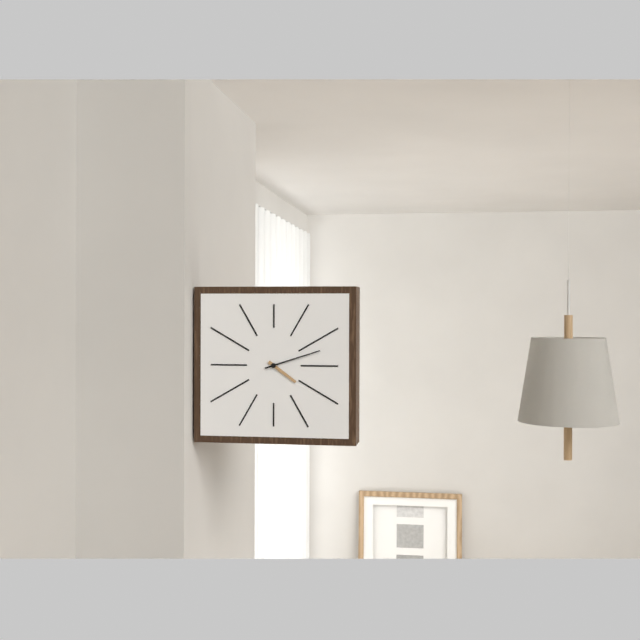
h=4 m=12
